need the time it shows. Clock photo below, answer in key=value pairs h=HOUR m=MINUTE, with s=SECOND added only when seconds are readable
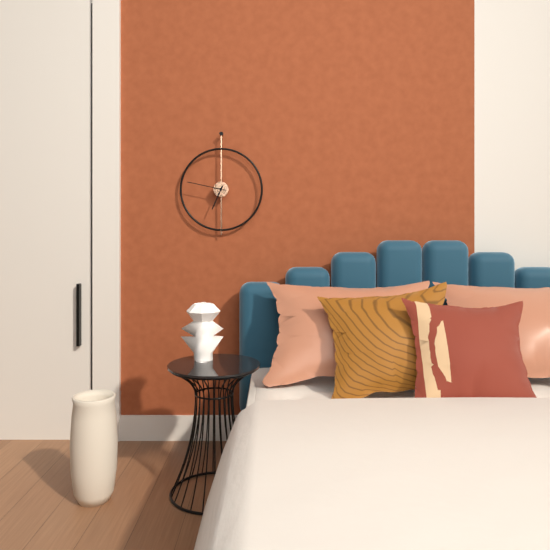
h=6 m=47
